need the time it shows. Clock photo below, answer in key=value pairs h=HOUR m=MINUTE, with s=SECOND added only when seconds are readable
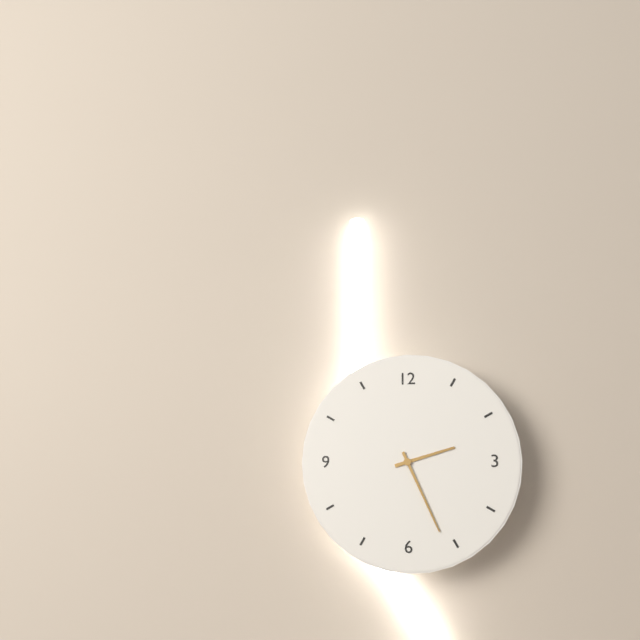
h=2 m=26
